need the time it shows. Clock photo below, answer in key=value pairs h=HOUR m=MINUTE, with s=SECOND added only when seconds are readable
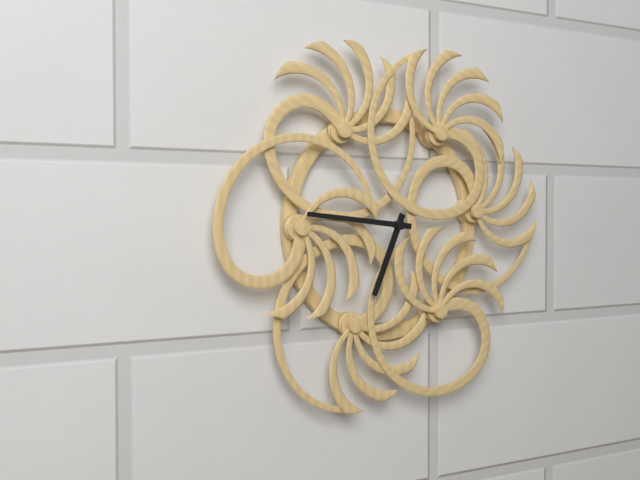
h=6 m=46
